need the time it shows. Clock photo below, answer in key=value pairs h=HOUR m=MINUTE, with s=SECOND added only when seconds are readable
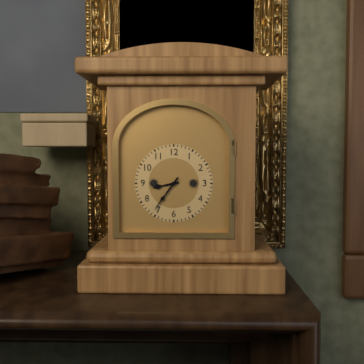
h=8 m=36
